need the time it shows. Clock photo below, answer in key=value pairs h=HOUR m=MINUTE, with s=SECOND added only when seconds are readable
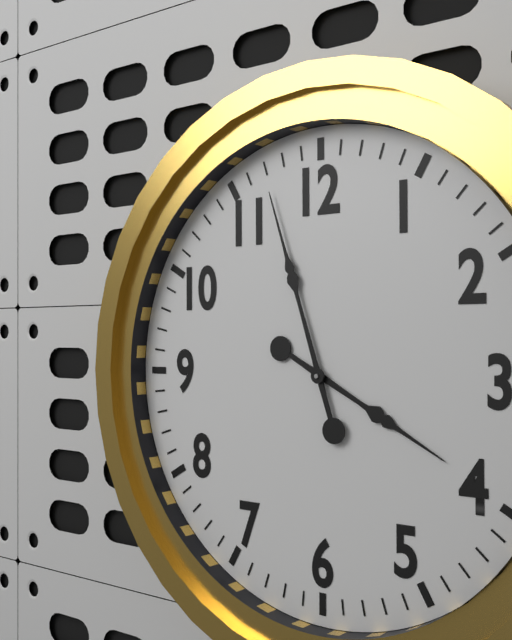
h=3 m=57
